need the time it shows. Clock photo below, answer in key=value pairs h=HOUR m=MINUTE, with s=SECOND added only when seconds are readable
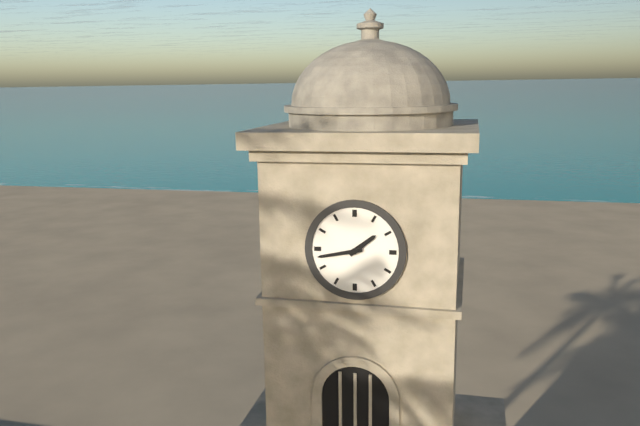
h=1 m=43
